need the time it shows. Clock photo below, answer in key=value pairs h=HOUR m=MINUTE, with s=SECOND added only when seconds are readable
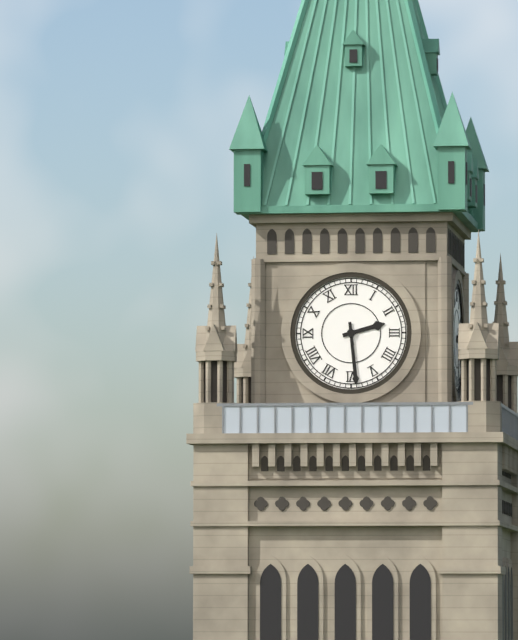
h=2 m=29
